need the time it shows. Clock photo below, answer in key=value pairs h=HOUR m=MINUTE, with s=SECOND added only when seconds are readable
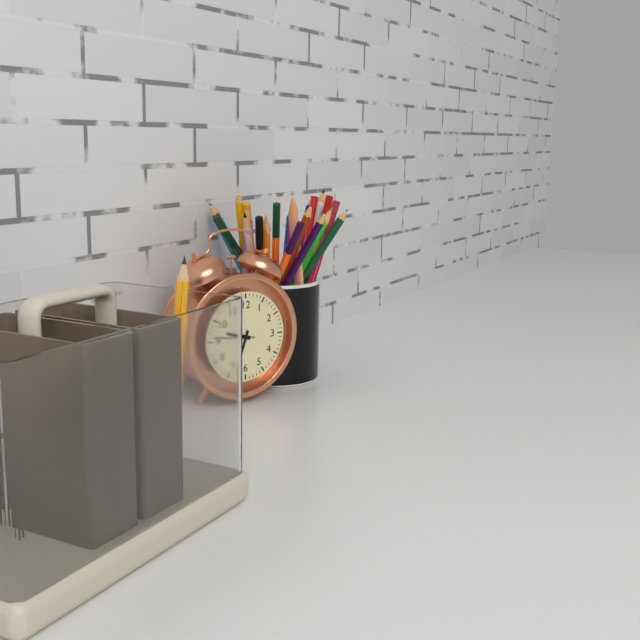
h=9 m=33
